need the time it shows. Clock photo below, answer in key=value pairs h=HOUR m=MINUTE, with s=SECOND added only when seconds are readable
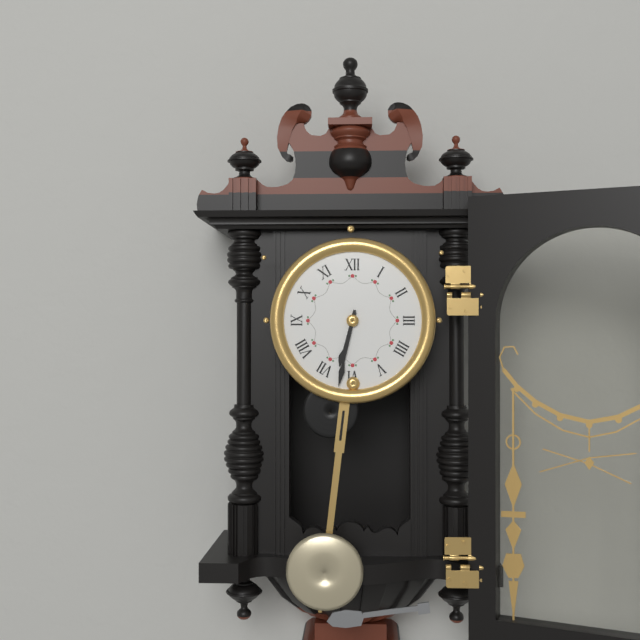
h=6 m=32
